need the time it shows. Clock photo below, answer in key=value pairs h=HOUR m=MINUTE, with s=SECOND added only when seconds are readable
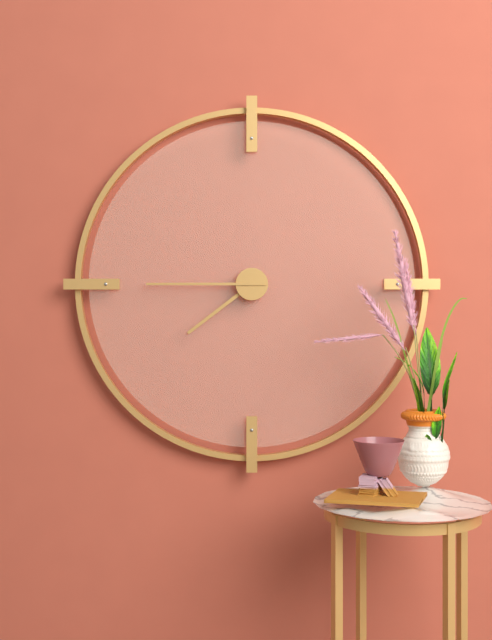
h=7 m=45
